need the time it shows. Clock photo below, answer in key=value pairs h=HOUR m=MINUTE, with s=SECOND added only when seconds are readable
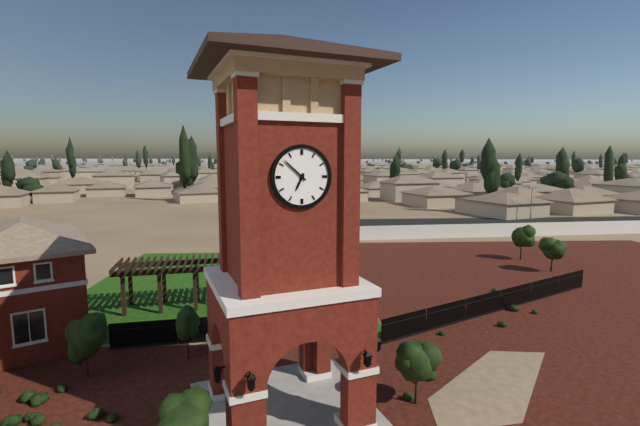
h=6 m=52
